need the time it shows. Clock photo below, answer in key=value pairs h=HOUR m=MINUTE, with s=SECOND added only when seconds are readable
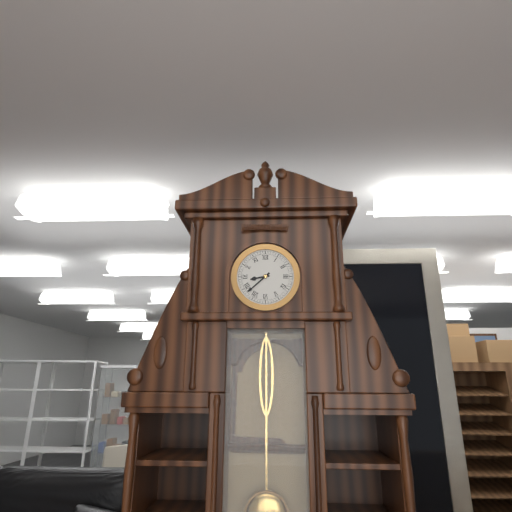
h=8 m=38
